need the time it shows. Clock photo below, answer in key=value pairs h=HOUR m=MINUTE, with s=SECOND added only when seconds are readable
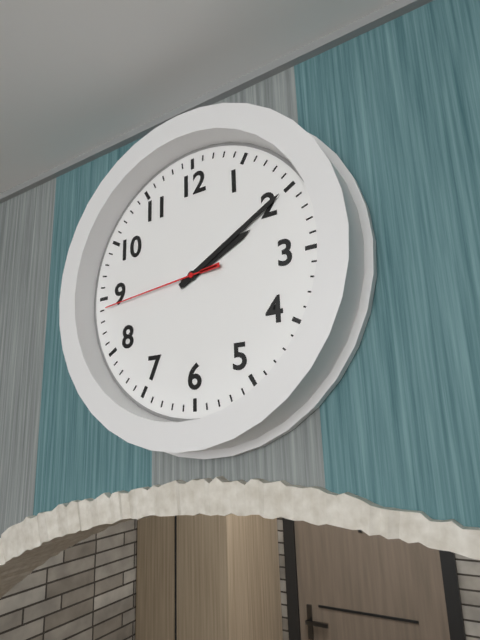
h=2 m=10 s=44
